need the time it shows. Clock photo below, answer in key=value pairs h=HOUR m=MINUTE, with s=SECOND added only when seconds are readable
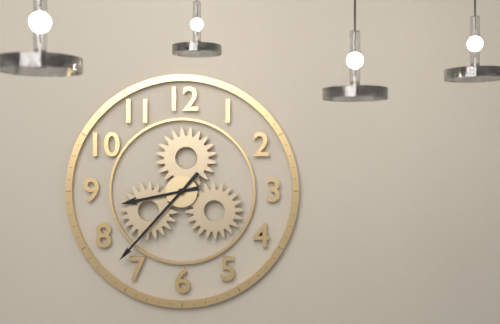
h=8 m=37
